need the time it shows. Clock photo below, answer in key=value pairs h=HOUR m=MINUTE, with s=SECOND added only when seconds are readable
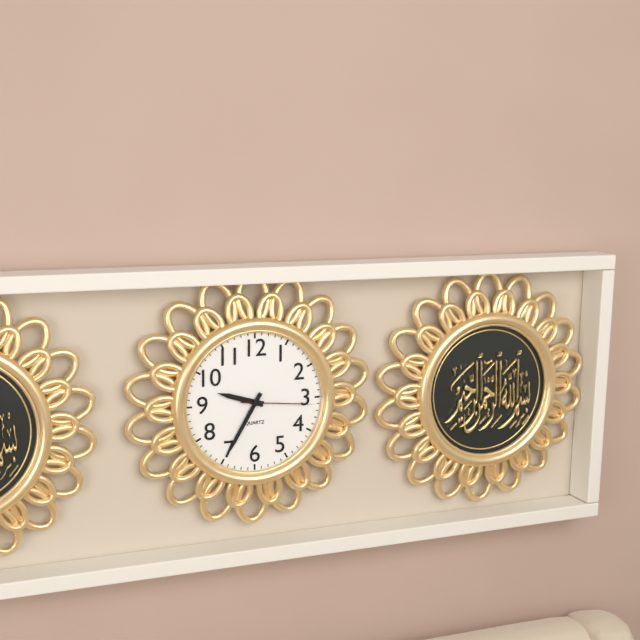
h=9 m=35 s=16
